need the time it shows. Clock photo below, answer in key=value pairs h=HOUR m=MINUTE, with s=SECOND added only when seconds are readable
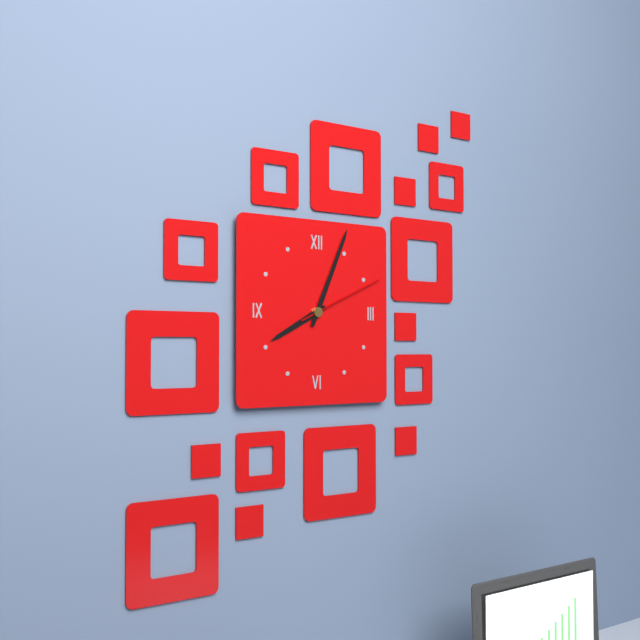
h=8 m=4 s=11
